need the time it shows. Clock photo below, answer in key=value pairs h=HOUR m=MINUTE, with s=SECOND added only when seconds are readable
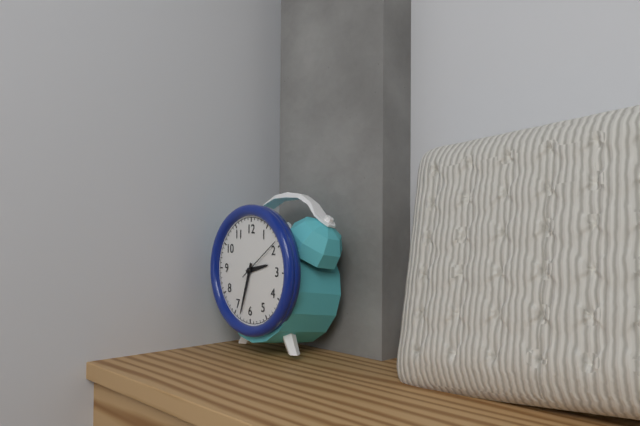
h=2 m=33
